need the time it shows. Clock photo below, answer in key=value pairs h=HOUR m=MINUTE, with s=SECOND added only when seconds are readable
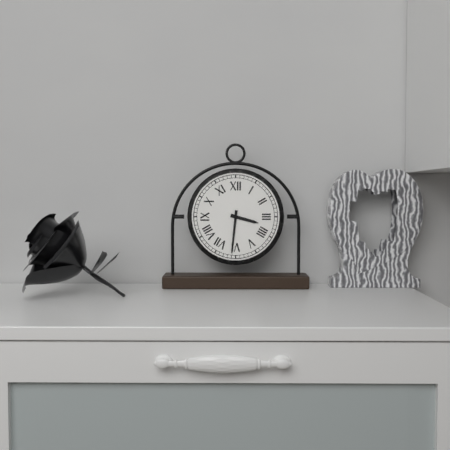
h=3 m=31
